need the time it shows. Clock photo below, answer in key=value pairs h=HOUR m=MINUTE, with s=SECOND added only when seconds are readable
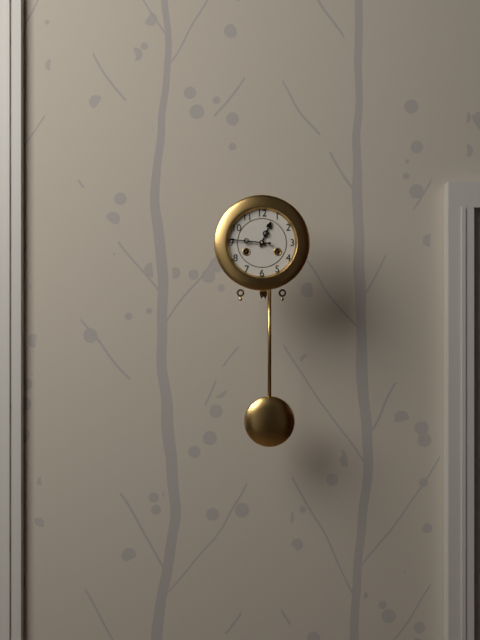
h=12 m=46
